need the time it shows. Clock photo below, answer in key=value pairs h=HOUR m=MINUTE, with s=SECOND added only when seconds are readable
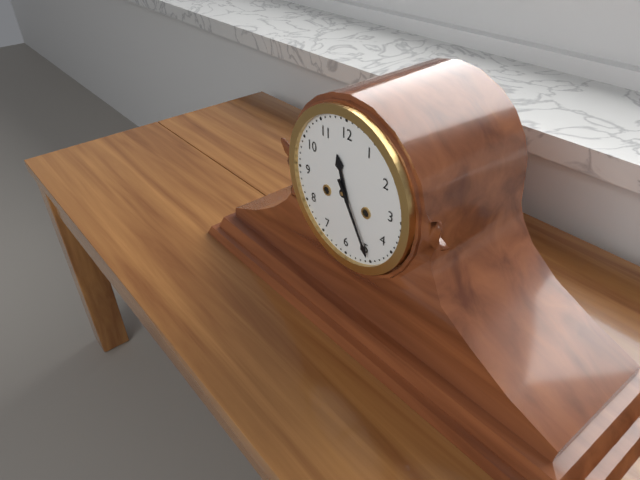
h=11 m=25
